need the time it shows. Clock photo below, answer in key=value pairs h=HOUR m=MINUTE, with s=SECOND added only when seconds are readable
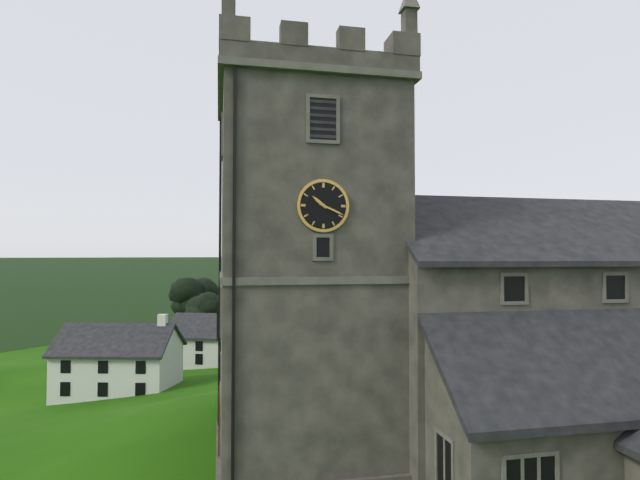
h=10 m=19
